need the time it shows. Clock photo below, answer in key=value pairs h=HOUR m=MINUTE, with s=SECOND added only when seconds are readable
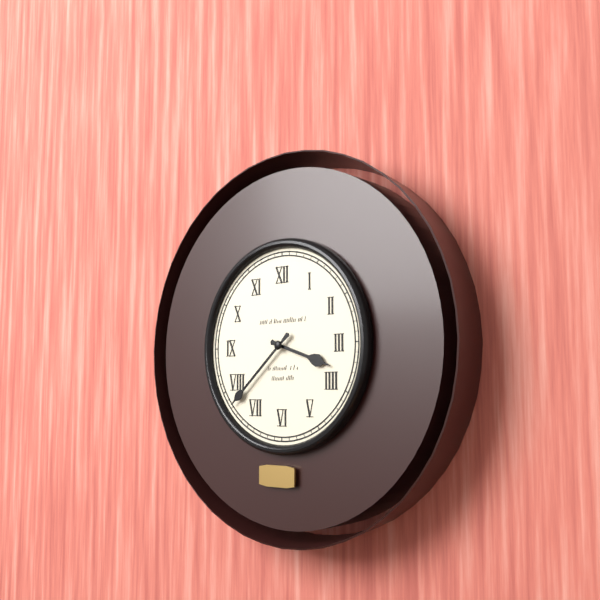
h=3 m=38
